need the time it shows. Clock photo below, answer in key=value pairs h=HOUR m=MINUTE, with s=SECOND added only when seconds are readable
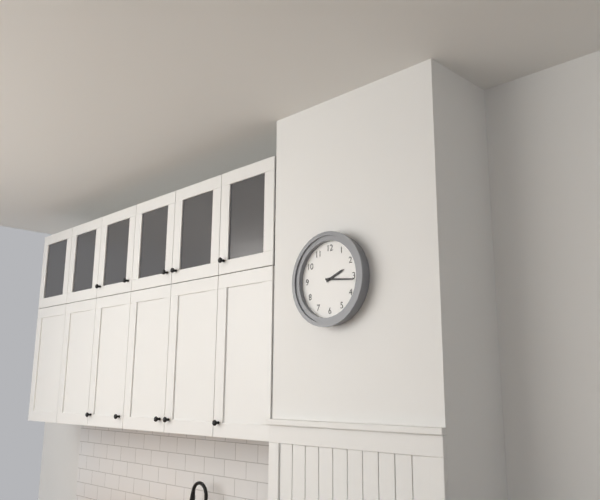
h=2 m=16
